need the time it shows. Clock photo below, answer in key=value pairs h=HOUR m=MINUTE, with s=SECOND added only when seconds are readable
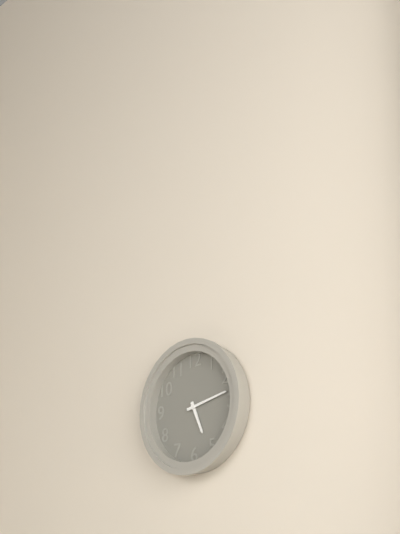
h=5 m=13
